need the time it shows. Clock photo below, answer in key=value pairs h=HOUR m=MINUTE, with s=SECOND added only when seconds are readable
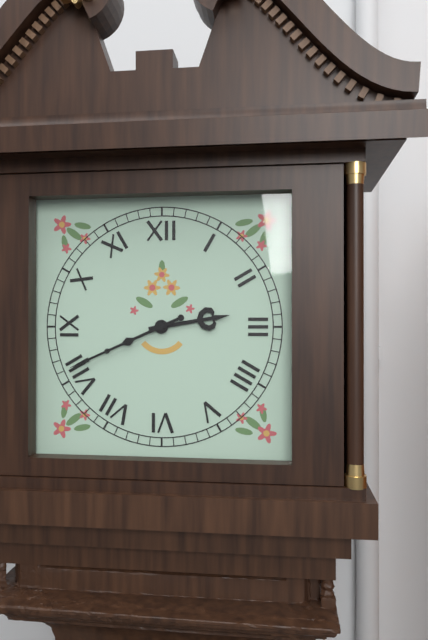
h=2 m=41
